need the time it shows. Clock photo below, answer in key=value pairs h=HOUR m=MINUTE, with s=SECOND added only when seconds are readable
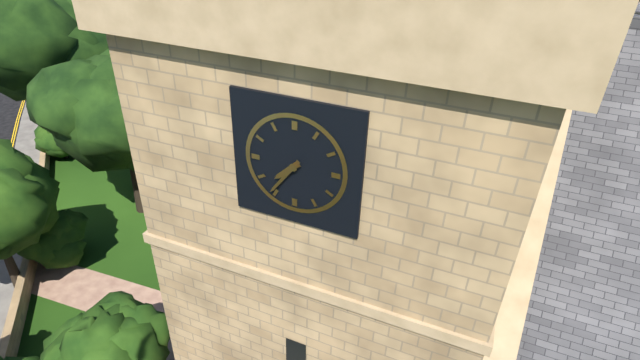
h=7 m=36
